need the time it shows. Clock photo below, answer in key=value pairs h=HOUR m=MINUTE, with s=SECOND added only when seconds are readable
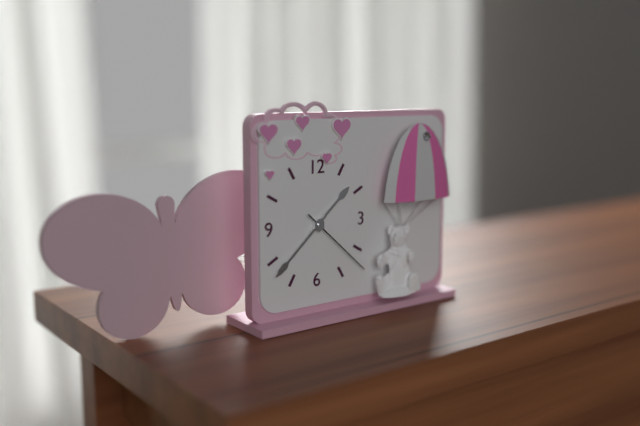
h=1 m=38 s=22
